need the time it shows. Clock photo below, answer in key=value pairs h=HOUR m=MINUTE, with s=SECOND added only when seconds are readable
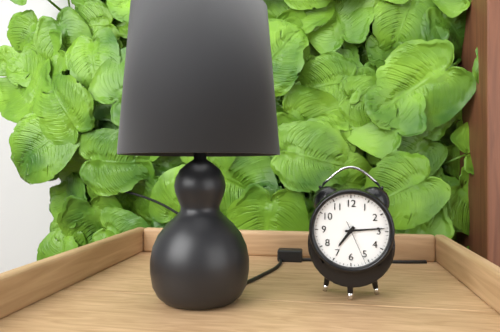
h=7 m=14
